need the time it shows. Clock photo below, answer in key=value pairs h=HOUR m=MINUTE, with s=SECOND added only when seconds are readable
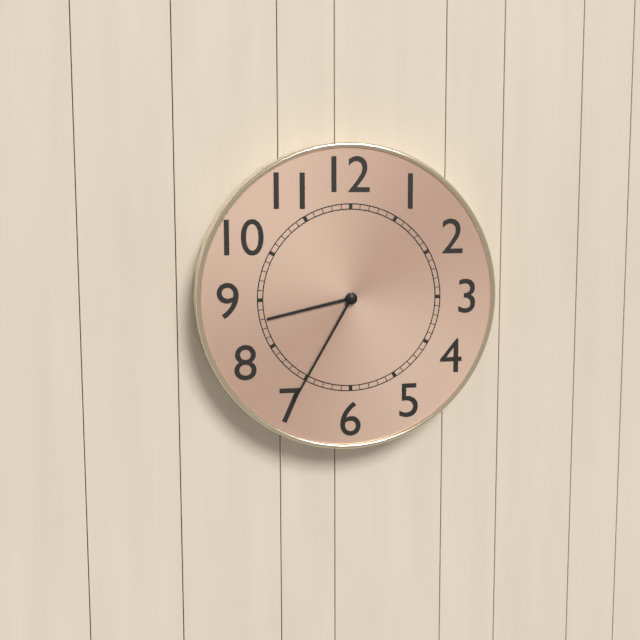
h=8 m=35
